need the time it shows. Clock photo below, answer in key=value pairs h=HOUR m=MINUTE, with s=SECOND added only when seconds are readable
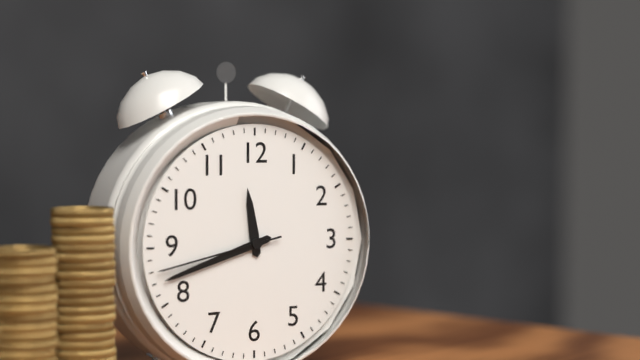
h=11 m=42 s=43
